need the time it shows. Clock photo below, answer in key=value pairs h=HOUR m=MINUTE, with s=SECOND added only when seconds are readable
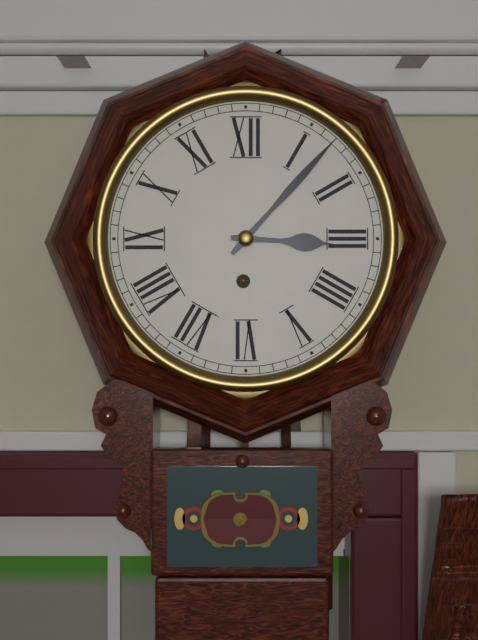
h=3 m=7
